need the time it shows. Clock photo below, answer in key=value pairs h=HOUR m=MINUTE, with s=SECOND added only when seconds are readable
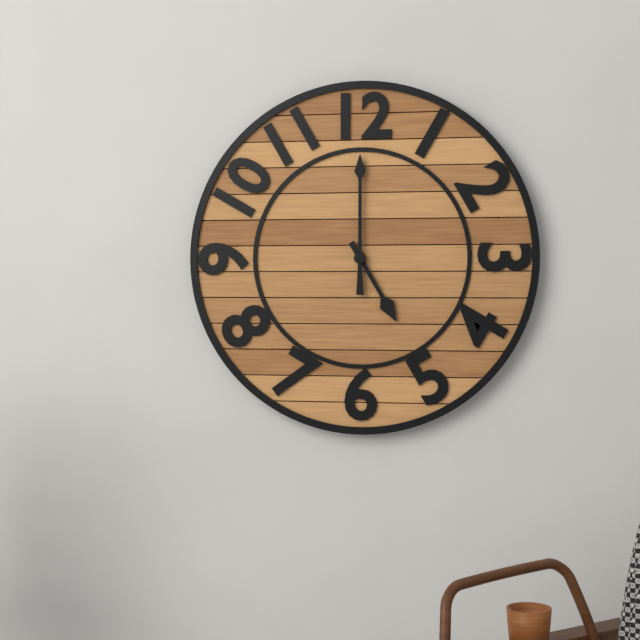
h=5 m=0
